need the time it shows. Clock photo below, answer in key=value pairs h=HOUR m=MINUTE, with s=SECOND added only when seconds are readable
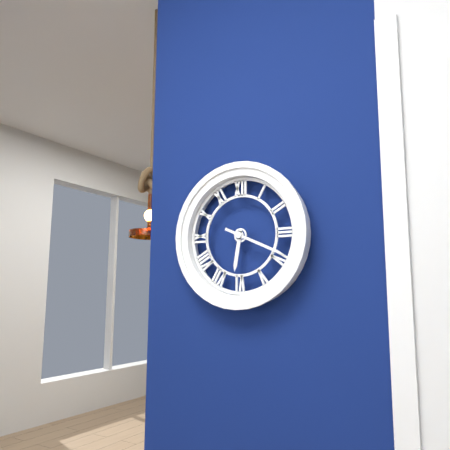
h=6 m=19
